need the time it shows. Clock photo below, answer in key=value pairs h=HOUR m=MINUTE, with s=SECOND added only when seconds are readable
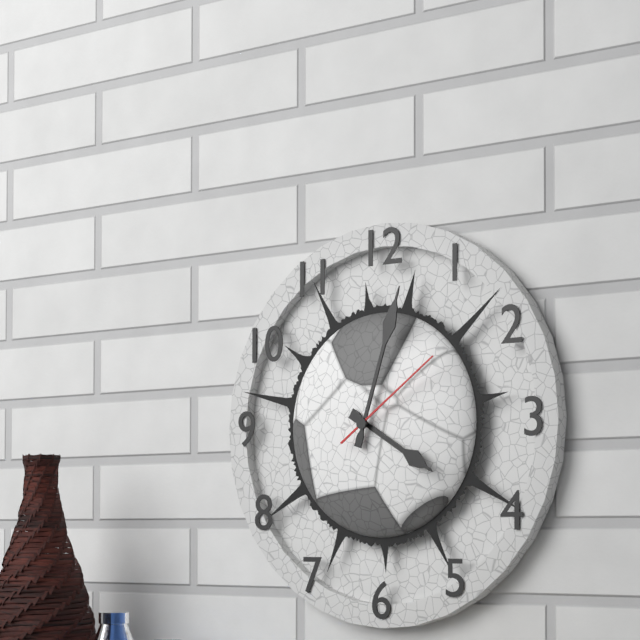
h=4 m=3 s=9
